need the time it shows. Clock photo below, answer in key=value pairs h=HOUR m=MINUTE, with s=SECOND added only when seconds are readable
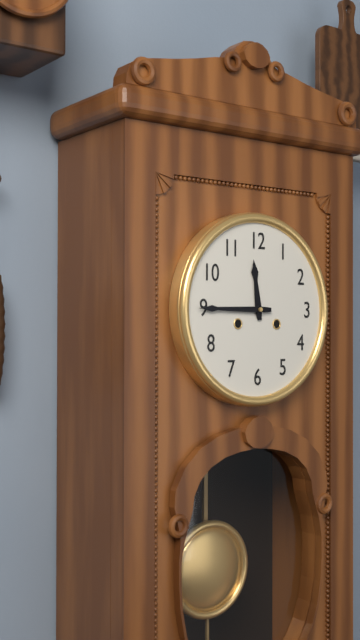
h=11 m=45
